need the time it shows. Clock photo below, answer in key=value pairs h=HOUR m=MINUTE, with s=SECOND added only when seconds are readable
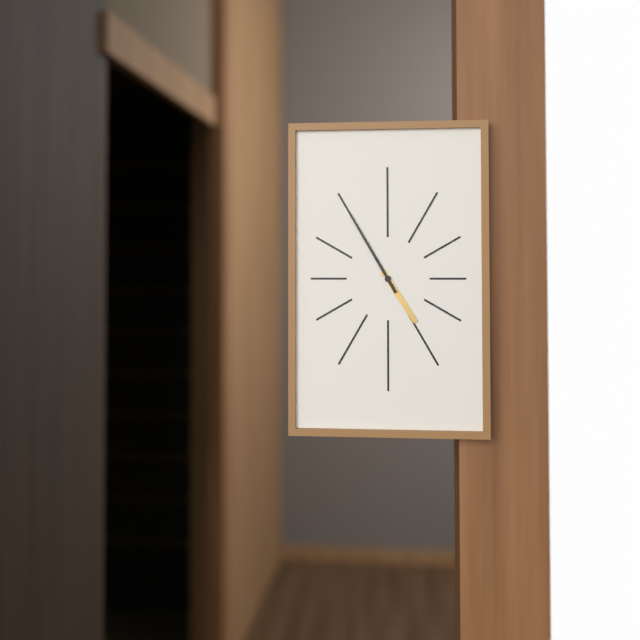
h=4 m=55
